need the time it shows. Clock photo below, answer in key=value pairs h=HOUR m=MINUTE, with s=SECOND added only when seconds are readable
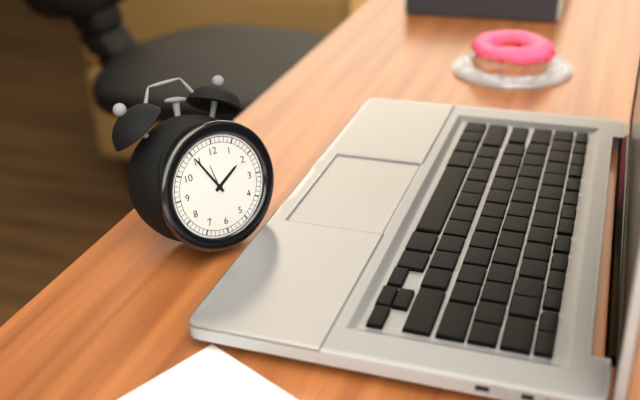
h=1 m=55
